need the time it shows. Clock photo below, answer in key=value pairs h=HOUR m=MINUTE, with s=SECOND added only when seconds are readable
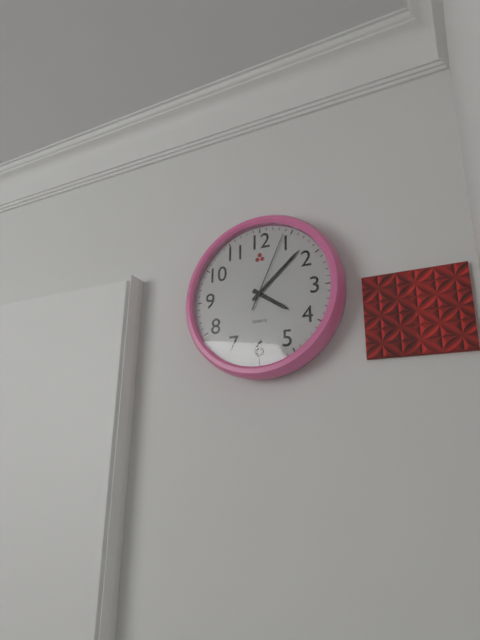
h=4 m=8 s=4
